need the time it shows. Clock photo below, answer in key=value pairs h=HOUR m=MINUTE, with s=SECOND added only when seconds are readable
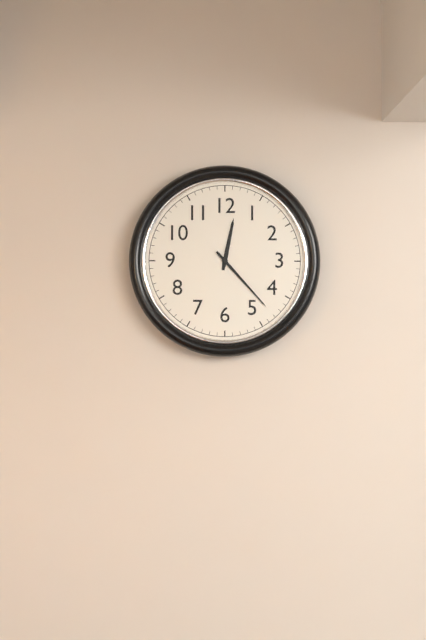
h=12 m=23
